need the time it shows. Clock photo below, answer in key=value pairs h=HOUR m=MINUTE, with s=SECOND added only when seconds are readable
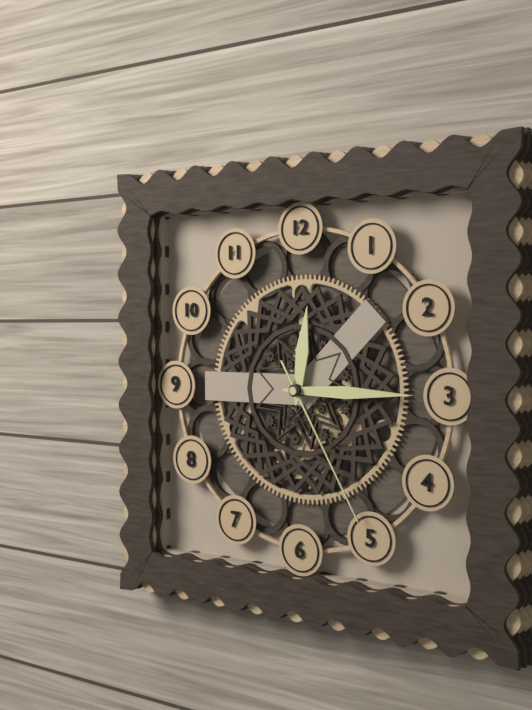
h=12 m=15 s=25
